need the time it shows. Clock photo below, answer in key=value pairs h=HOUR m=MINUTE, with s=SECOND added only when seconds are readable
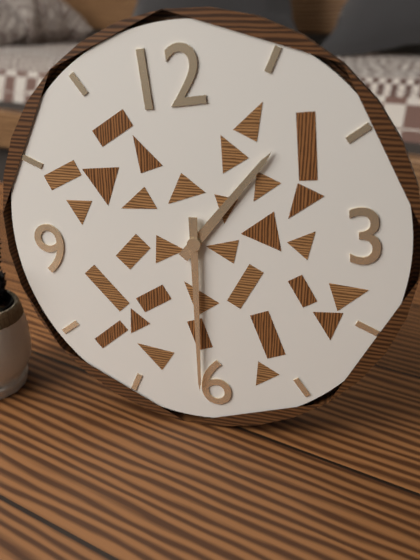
h=1 m=31
